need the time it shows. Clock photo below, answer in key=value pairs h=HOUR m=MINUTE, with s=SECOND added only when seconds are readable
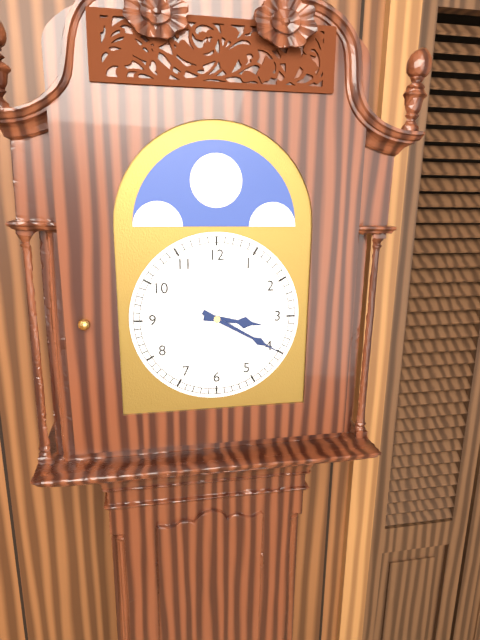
h=3 m=20
